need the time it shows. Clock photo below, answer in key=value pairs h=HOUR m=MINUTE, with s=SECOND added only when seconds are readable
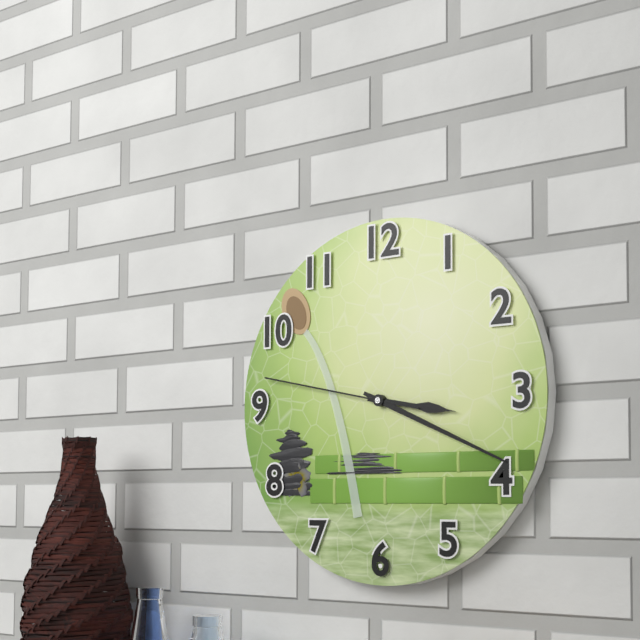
h=3 m=19 s=47
